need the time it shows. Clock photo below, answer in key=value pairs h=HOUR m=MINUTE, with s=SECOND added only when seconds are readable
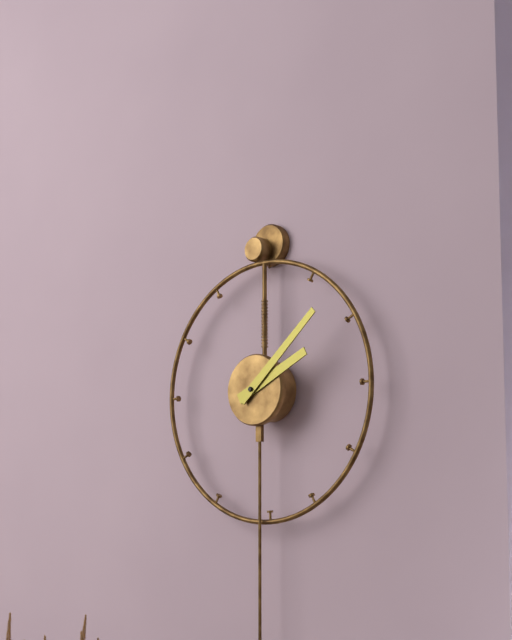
h=2 m=8
